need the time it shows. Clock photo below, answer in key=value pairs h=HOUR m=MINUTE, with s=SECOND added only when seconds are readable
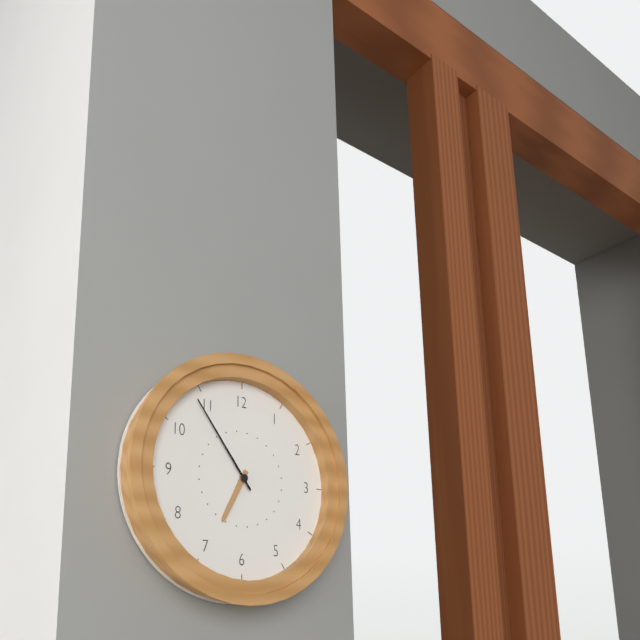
h=6 m=54
